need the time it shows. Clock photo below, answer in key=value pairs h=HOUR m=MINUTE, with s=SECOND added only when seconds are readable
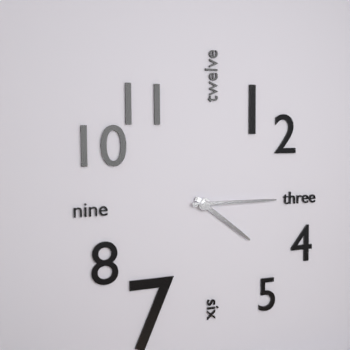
h=4 m=15
